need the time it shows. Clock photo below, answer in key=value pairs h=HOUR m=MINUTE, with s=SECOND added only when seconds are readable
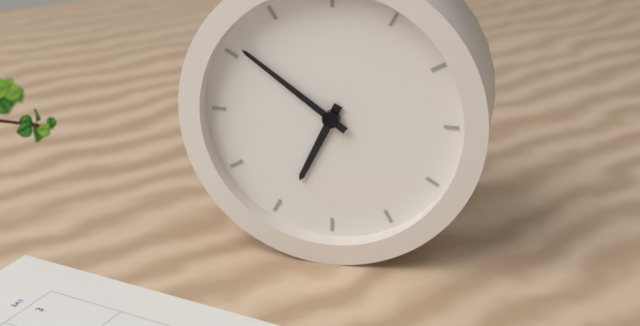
h=6 m=51
